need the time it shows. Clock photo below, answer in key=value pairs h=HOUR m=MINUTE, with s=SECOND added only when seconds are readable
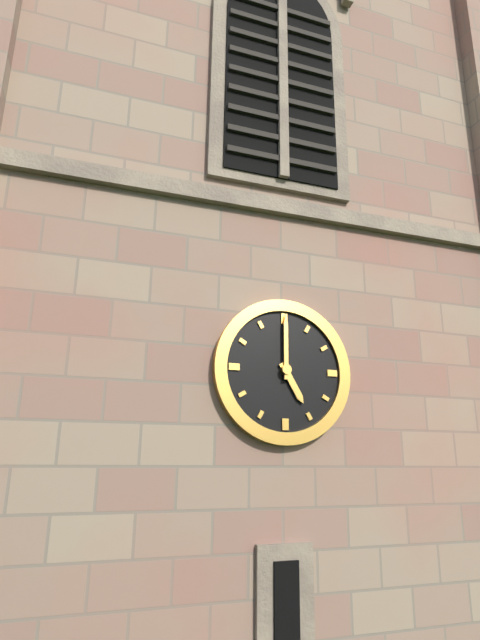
h=5 m=0
